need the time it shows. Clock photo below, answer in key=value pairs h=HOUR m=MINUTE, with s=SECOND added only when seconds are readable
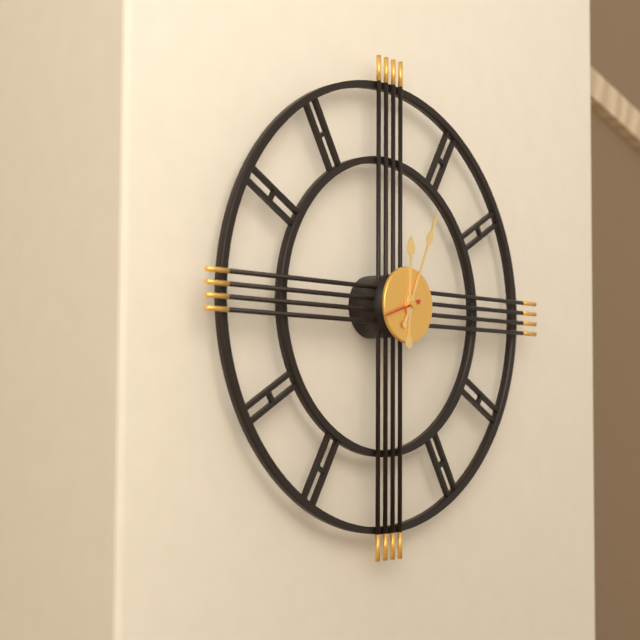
h=12 m=4
